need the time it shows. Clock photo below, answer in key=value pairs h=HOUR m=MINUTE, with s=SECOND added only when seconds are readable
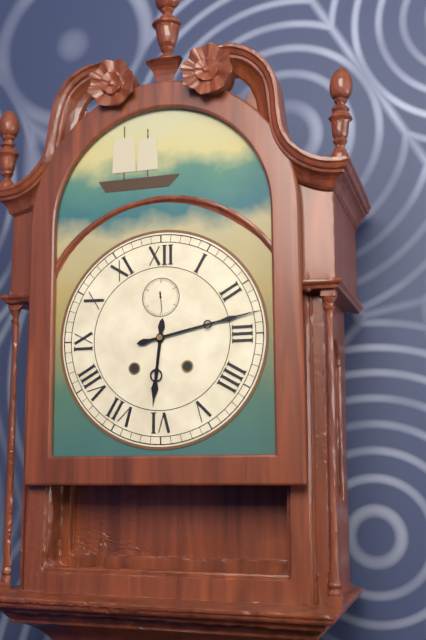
h=6 m=13
